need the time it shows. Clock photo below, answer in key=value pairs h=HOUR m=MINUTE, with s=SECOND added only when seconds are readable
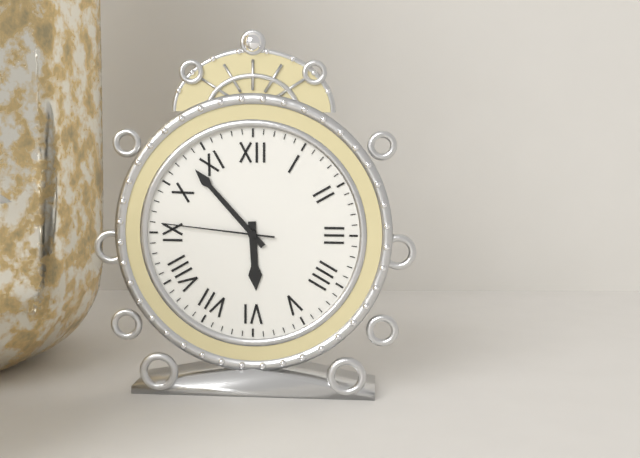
h=5 m=53 s=46
